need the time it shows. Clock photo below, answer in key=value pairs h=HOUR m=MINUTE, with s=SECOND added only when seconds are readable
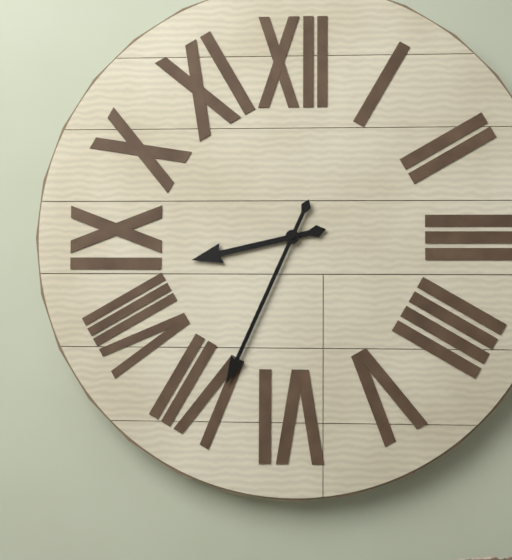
h=8 m=34
